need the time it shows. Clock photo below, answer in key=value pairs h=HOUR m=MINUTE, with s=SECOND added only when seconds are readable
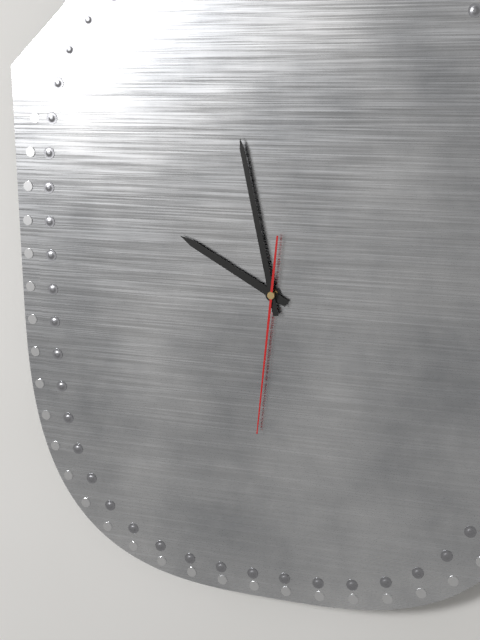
h=9 m=58 s=31
